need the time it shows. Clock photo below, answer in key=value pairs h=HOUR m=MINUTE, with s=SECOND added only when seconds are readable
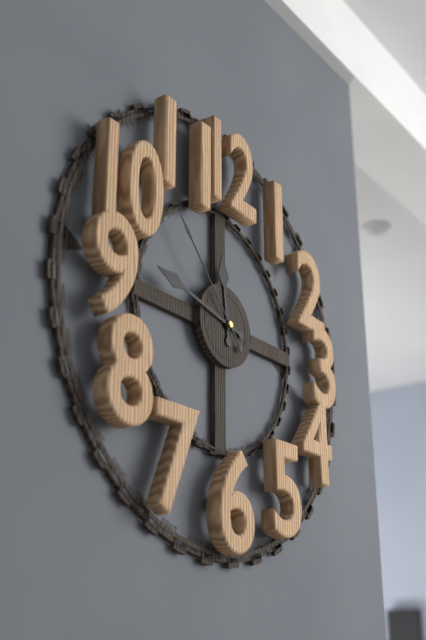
h=11 m=47 s=53
